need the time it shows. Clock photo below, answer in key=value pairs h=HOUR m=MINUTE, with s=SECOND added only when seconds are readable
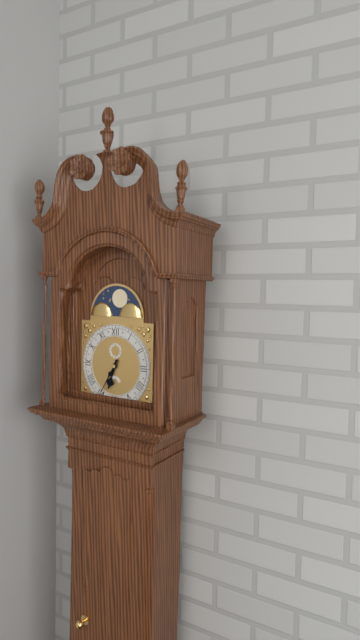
h=6 m=35
